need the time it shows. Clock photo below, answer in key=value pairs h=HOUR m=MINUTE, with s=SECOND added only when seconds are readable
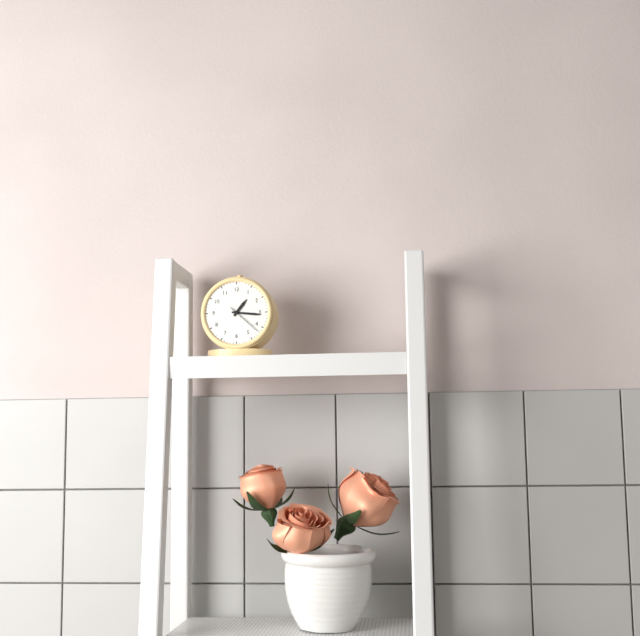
h=1 m=16
